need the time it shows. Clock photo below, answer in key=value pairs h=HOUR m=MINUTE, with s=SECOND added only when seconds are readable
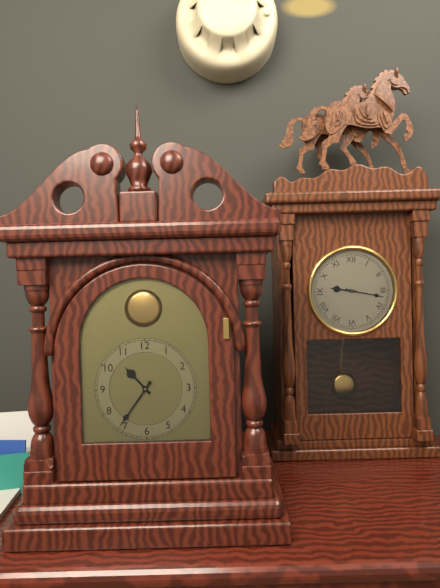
h=10 m=36
